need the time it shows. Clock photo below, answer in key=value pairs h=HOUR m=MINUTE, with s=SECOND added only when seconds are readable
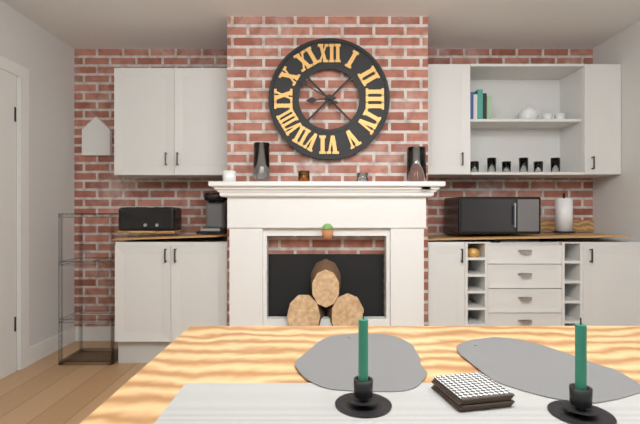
h=8 m=50
